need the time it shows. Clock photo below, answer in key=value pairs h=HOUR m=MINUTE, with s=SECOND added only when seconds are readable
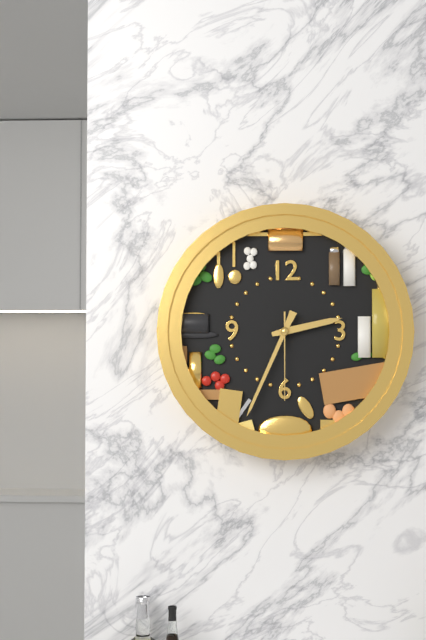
h=2 m=34 s=30
